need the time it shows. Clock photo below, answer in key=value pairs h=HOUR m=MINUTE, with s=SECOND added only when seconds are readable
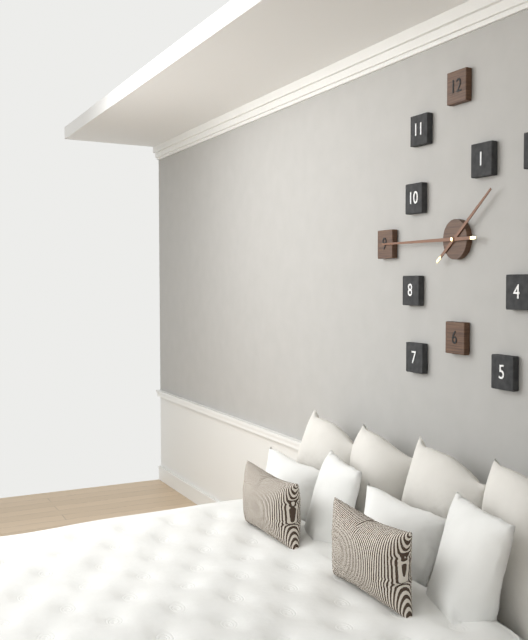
h=1 m=45
